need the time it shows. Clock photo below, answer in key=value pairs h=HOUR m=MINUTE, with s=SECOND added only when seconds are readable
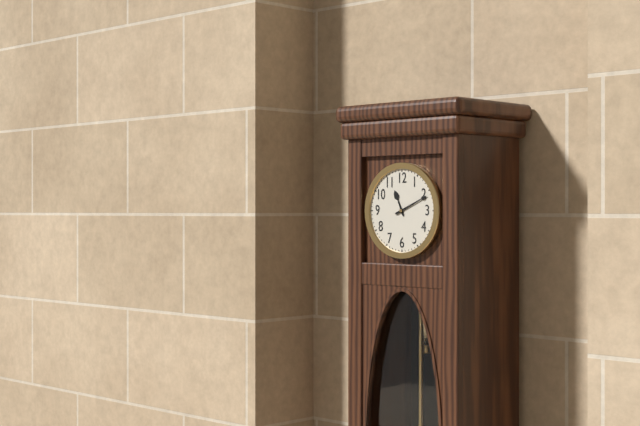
h=11 m=11
